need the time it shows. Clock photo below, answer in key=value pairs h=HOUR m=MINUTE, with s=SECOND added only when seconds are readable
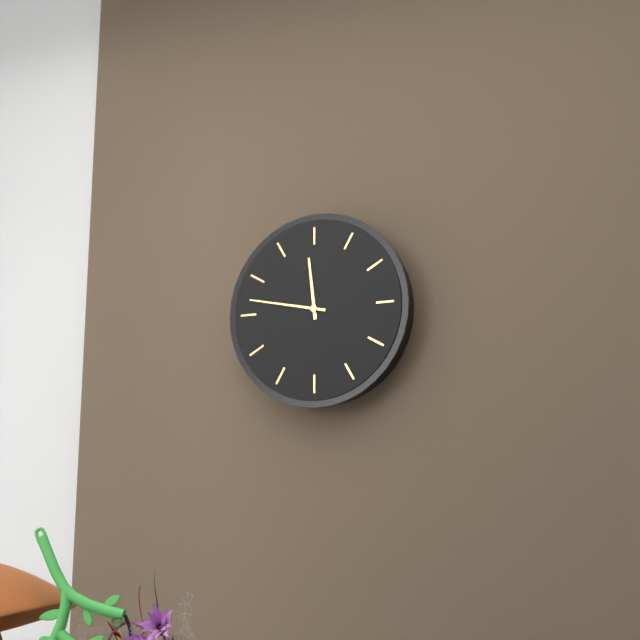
h=11 m=47
